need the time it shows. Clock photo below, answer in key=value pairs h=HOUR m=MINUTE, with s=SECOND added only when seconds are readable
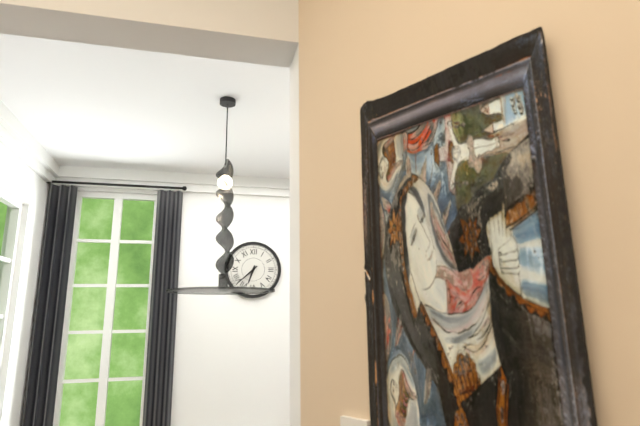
h=6 m=38
